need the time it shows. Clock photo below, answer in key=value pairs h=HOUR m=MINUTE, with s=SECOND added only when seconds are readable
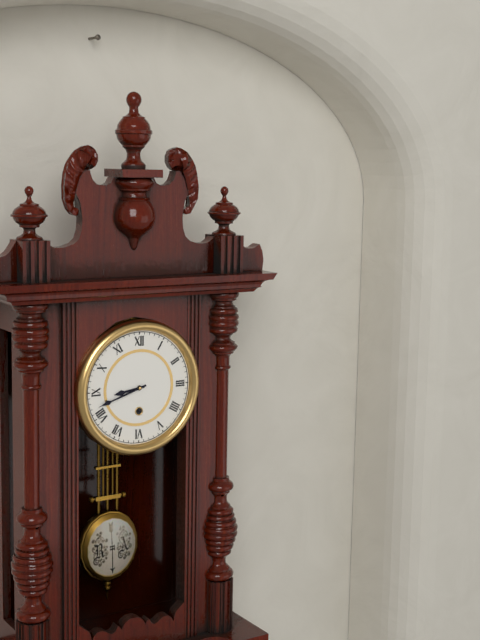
h=8 m=42
